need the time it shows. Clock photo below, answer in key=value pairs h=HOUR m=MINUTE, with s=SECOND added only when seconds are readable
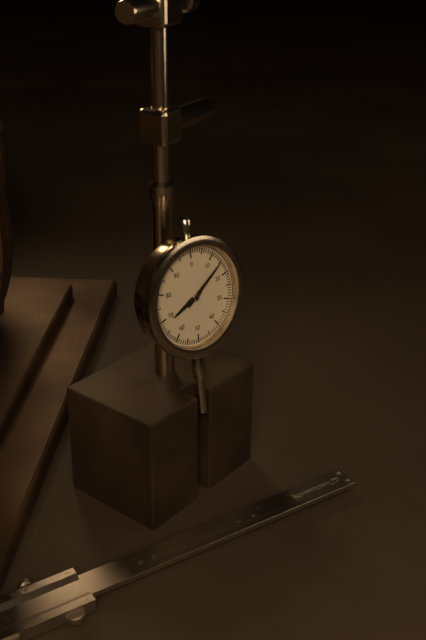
h=8 m=9
